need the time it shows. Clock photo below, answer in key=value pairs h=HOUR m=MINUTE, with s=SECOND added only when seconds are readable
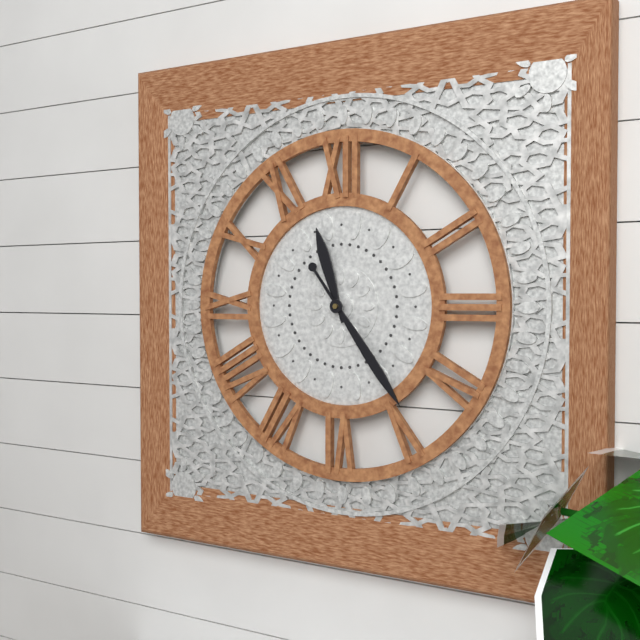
h=11 m=24
